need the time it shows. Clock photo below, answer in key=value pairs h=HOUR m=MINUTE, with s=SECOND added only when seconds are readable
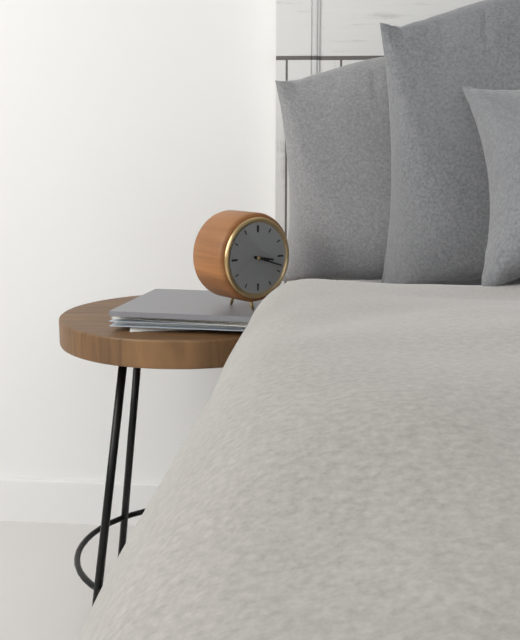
h=3 m=18
